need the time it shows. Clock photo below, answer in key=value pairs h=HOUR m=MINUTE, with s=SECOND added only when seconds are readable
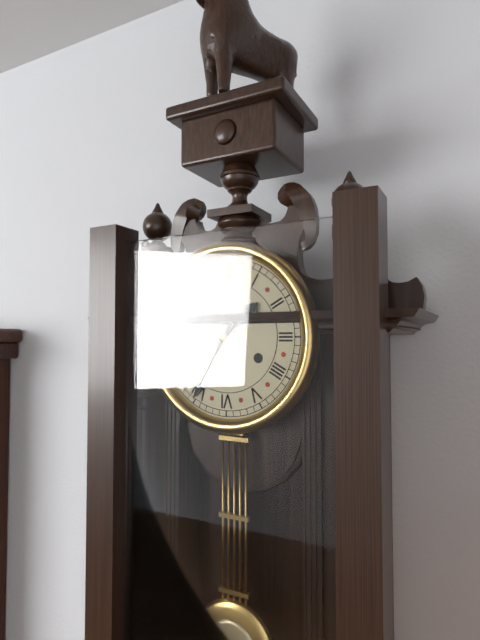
h=1 m=35
